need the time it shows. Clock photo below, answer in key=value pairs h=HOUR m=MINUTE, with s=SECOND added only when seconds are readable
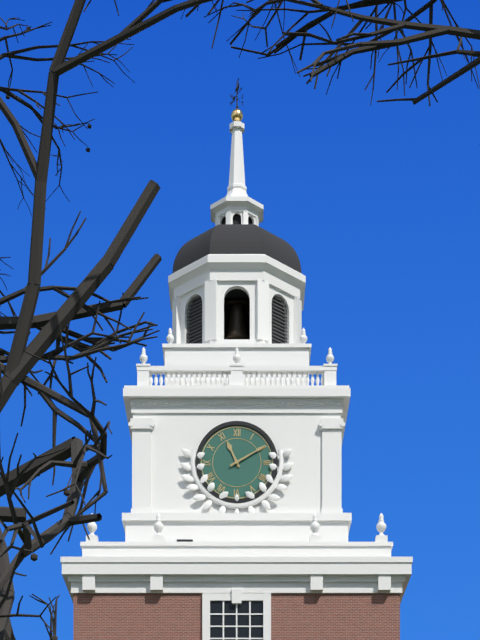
h=11 m=10
